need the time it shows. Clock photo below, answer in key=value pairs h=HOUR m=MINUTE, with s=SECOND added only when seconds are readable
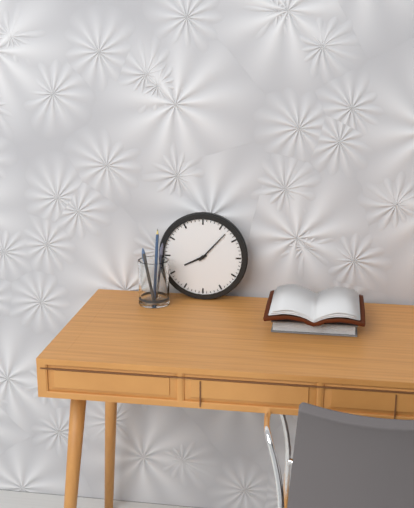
h=8 m=7
